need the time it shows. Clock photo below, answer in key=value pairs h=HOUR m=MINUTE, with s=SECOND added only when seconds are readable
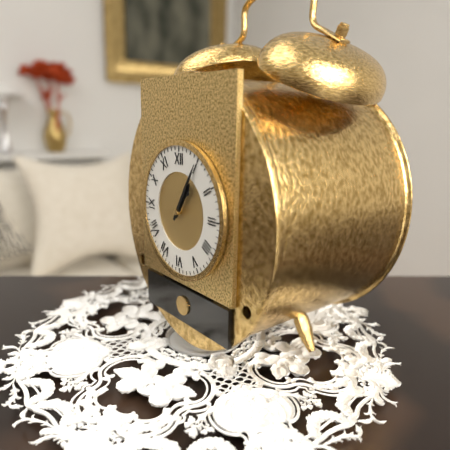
h=1 m=5
